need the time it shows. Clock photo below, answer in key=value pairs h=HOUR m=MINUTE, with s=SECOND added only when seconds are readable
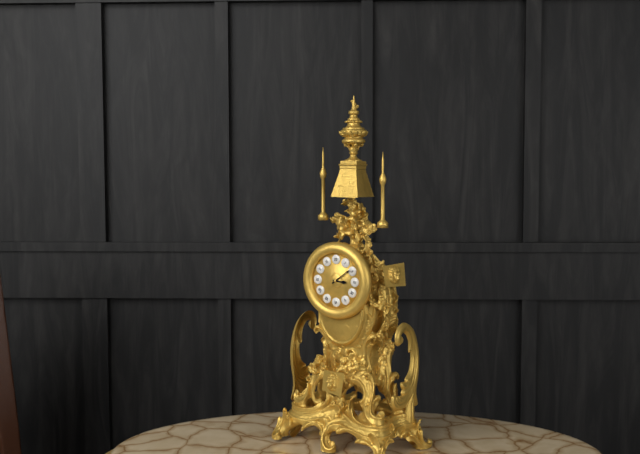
h=3 m=9
